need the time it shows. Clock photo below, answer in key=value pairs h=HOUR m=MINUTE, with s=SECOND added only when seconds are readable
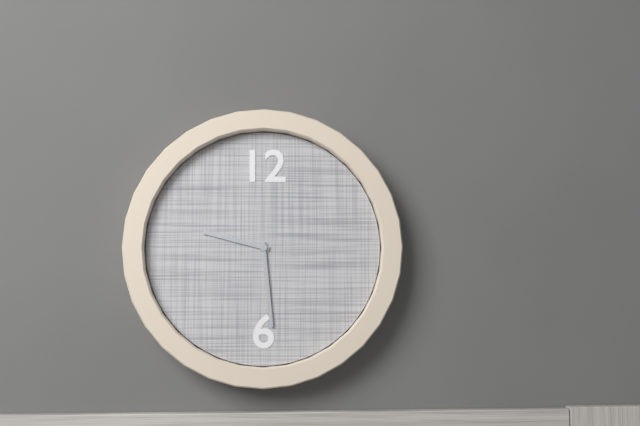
h=9 m=29
